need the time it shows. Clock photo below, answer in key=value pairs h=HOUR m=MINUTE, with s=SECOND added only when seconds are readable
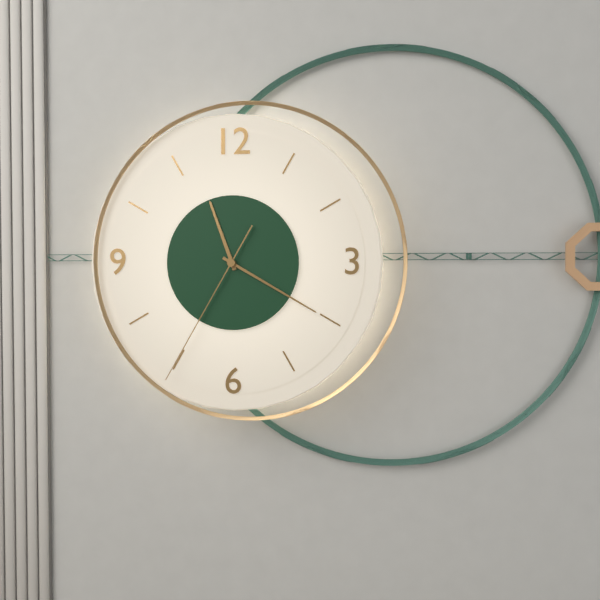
h=11 m=20 s=35
